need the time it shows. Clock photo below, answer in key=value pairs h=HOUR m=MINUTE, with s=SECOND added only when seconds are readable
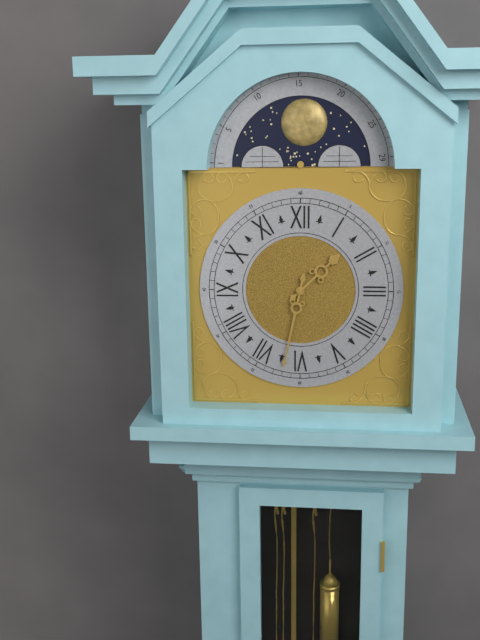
h=1 m=32
